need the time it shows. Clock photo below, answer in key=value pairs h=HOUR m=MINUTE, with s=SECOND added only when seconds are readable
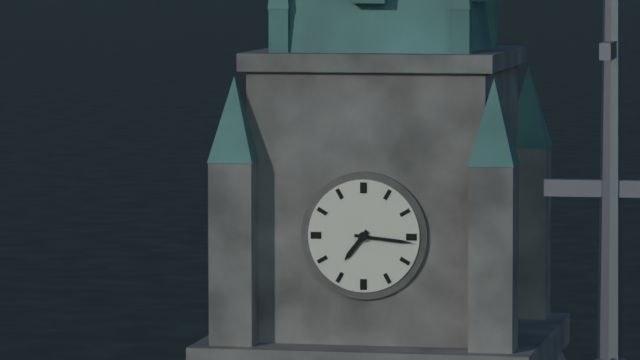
h=7 m=16
